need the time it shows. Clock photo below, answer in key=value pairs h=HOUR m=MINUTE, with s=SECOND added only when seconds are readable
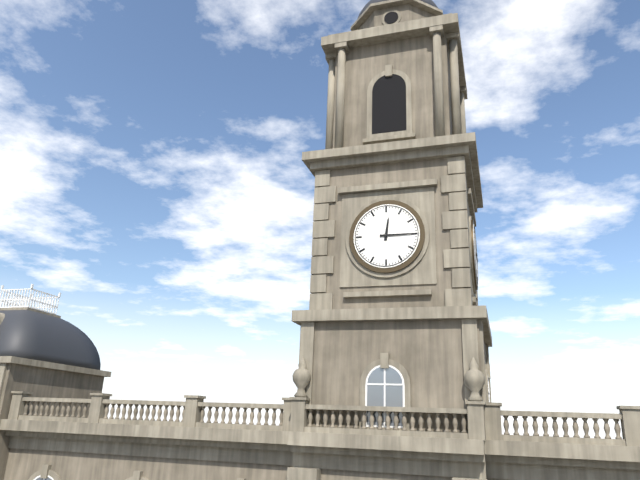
h=12 m=15
